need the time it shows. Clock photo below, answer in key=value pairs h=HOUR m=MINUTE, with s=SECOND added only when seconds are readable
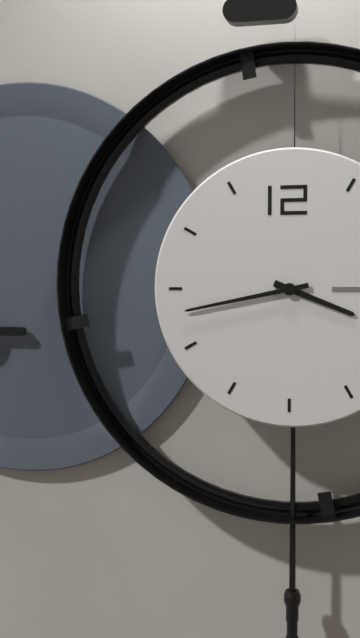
h=3 m=43
